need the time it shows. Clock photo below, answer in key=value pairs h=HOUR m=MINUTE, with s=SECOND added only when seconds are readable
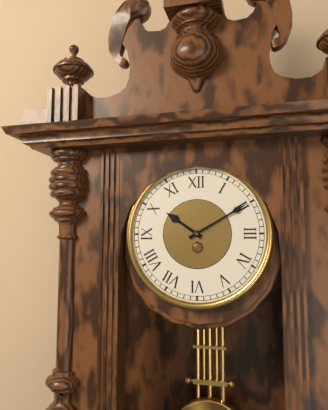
h=10 m=10
